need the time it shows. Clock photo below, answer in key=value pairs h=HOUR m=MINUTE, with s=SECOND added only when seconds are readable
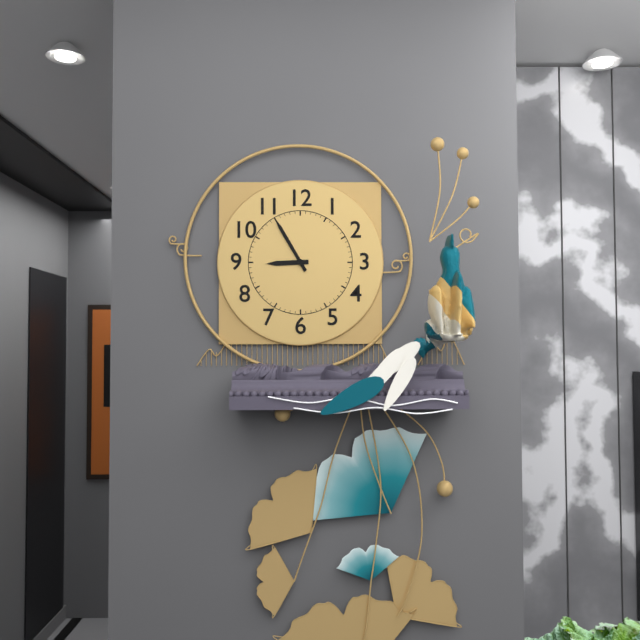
h=8 m=55
